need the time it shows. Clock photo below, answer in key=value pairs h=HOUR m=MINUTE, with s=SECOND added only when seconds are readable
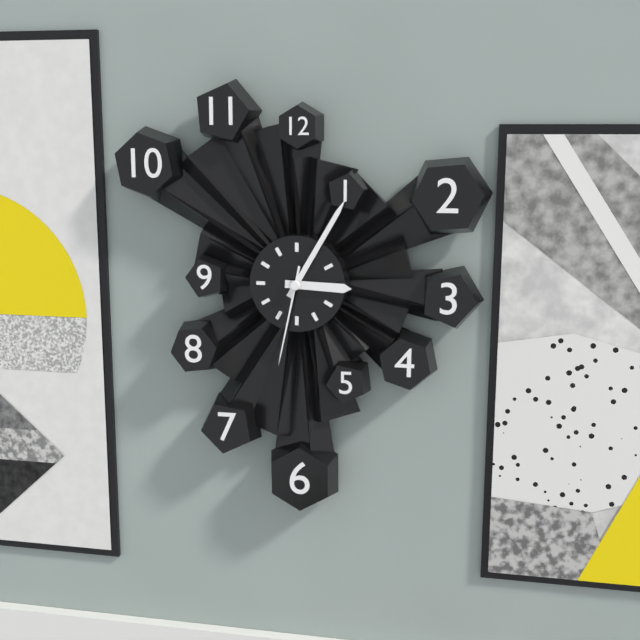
h=3 m=5 s=32
